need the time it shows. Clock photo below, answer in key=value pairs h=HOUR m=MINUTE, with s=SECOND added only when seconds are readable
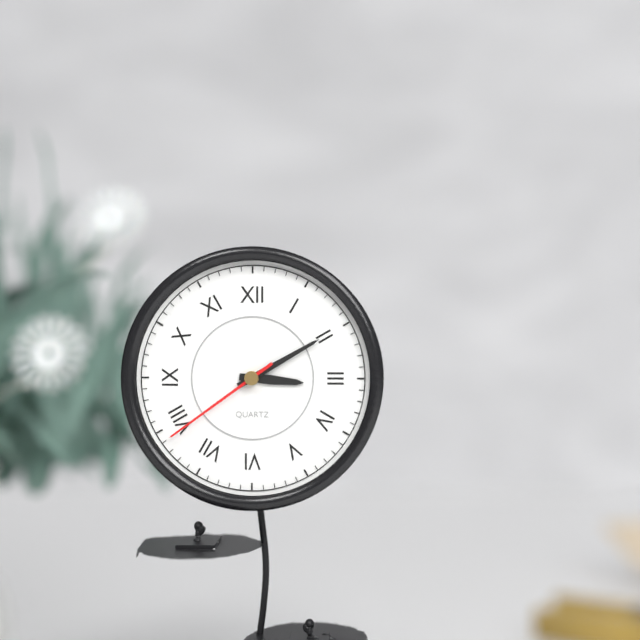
h=3 m=10 s=39
